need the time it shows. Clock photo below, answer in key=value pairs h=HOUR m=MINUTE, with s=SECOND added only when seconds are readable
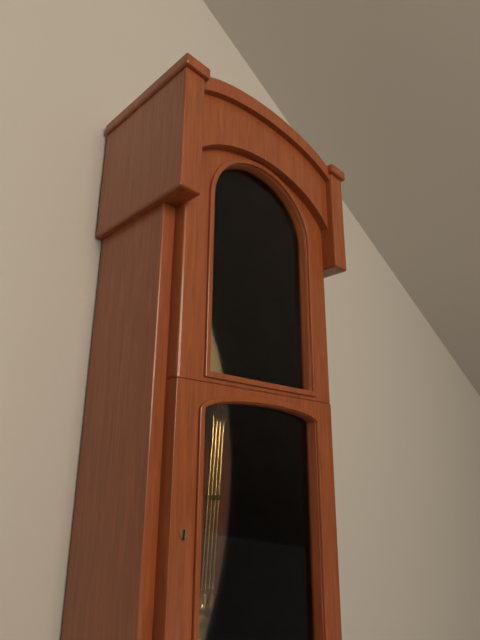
h=11 m=59
